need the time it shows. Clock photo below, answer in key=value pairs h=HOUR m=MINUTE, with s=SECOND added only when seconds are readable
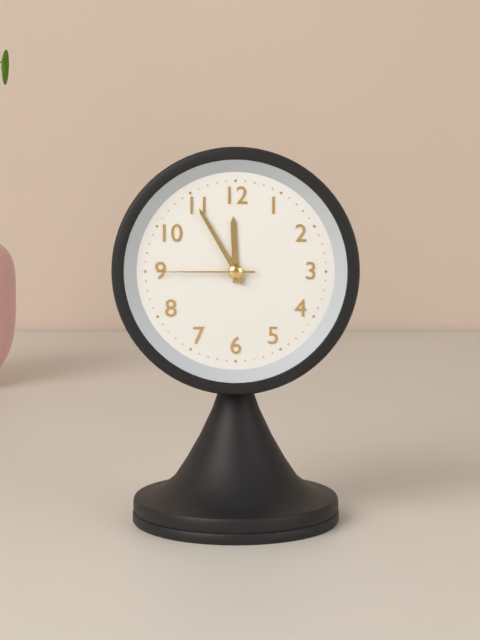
h=11 m=55 s=45
